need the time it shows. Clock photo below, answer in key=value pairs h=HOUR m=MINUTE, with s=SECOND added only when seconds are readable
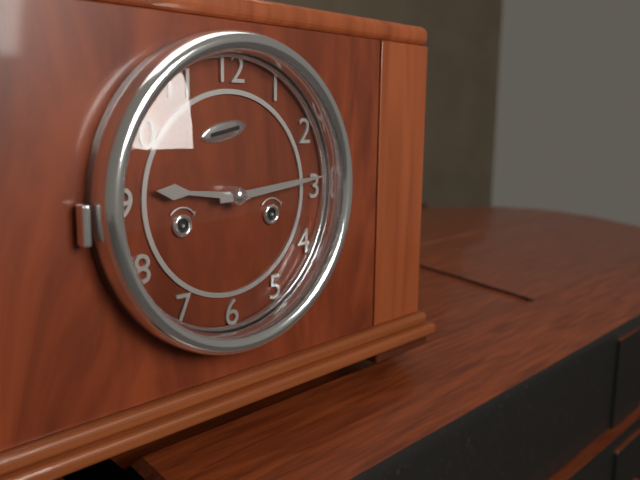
h=9 m=14
